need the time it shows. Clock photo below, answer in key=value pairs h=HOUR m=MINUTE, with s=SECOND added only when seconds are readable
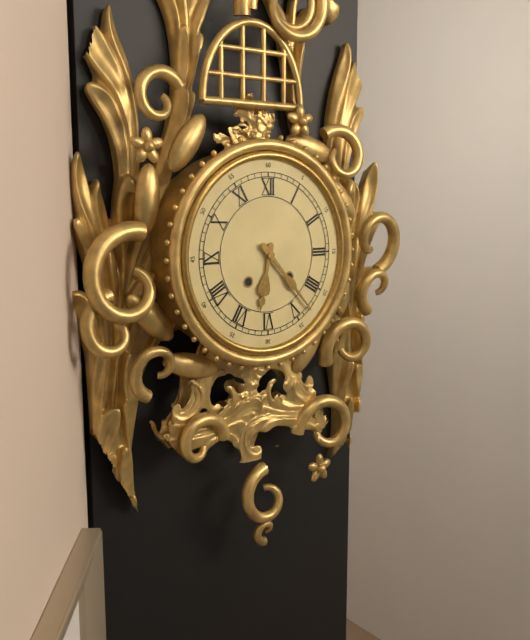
h=6 m=23
